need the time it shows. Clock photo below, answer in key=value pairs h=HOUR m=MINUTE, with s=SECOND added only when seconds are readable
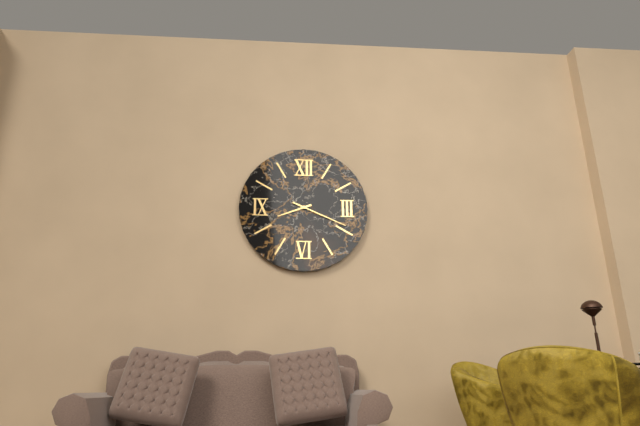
h=8 m=19
